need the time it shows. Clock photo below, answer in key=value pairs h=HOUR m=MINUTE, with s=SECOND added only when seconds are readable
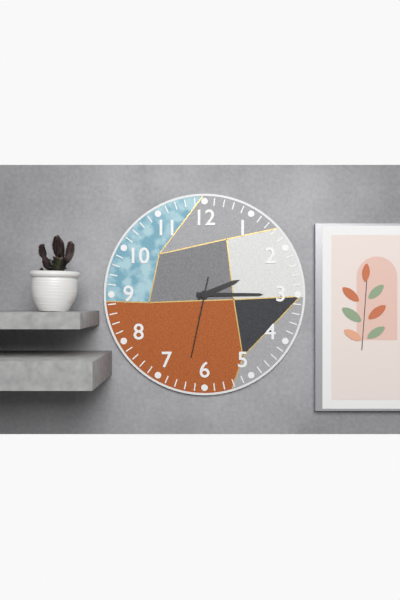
h=2 m=15 s=32
